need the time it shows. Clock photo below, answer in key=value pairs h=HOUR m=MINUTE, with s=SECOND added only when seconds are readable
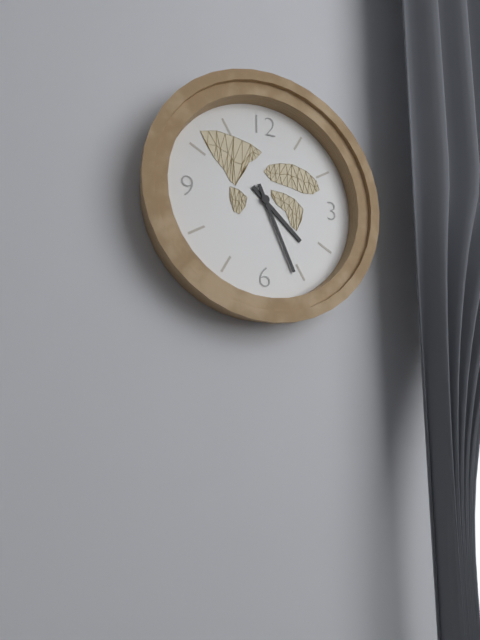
h=4 m=26
